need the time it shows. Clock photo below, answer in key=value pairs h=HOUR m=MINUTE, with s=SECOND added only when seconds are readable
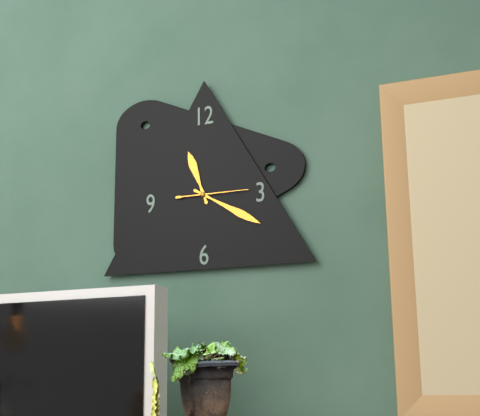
h=11 m=20 s=15
